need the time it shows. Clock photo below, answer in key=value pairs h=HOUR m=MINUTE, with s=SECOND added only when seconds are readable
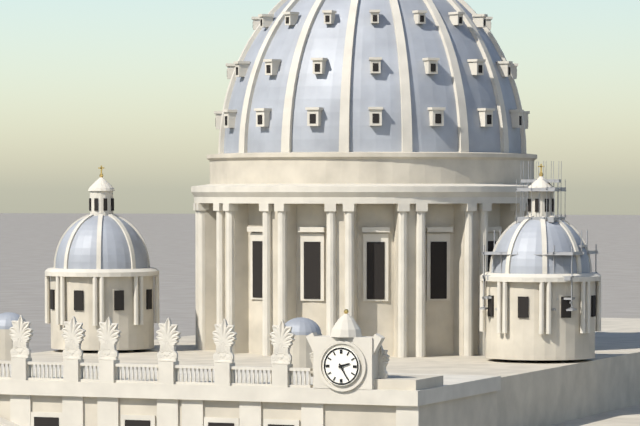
h=2 m=25
